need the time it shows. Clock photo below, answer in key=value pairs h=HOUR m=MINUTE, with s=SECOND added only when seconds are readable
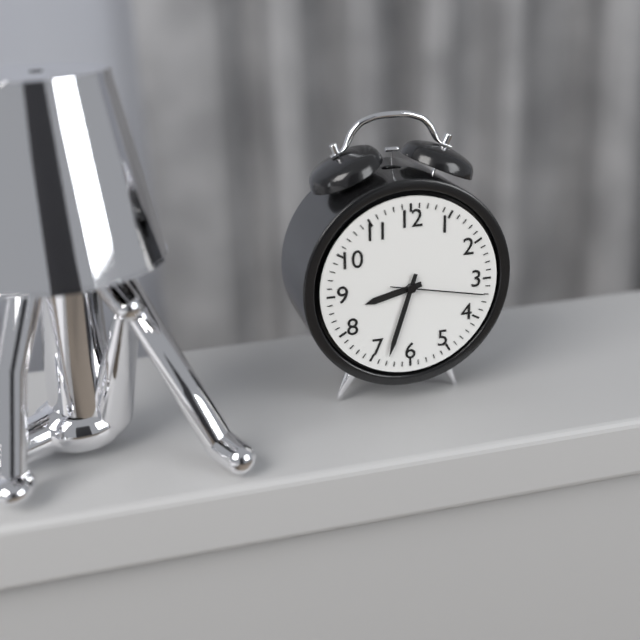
h=8 m=33 s=17
